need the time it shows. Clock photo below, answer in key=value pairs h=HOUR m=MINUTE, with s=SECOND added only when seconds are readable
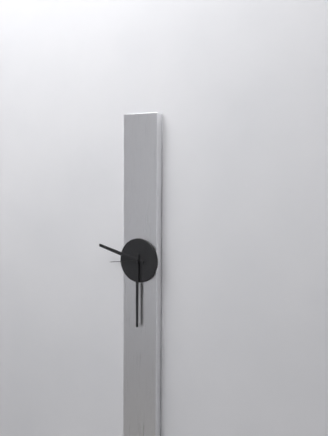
h=9 m=30
